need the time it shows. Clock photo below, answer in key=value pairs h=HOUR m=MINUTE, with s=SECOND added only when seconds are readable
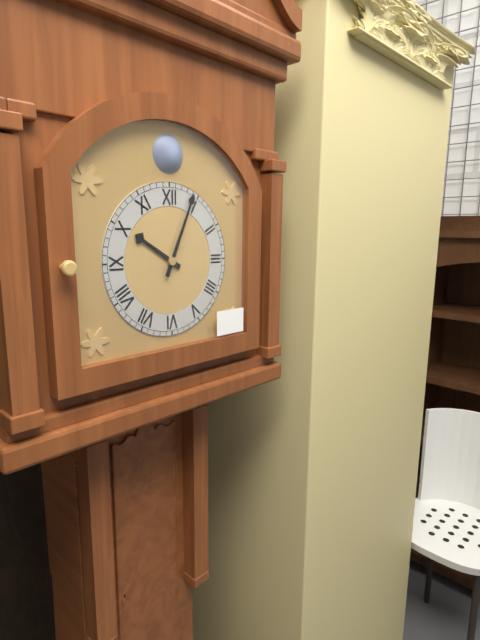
h=10 m=4
